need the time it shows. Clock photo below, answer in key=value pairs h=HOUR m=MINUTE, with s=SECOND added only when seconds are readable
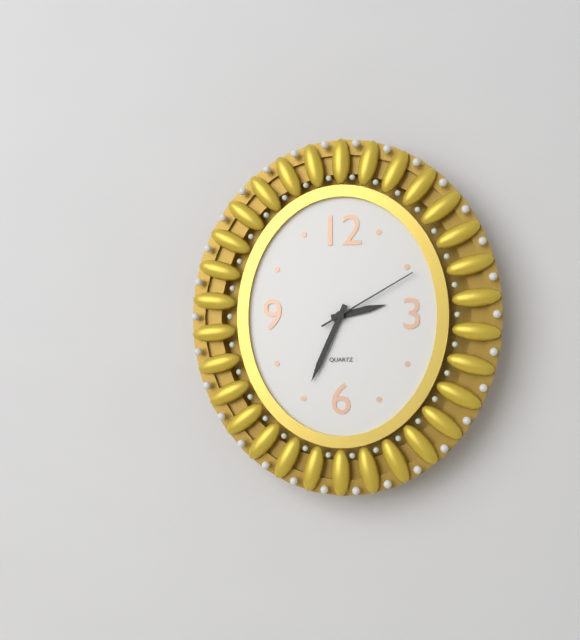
h=2 m=34 s=10
